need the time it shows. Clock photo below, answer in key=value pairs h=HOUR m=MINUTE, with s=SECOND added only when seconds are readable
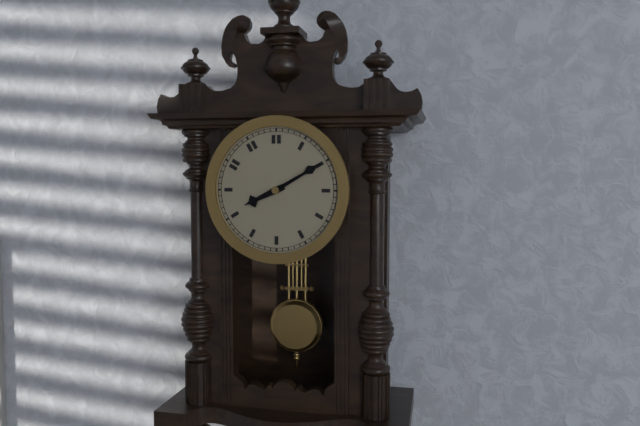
h=8 m=10
